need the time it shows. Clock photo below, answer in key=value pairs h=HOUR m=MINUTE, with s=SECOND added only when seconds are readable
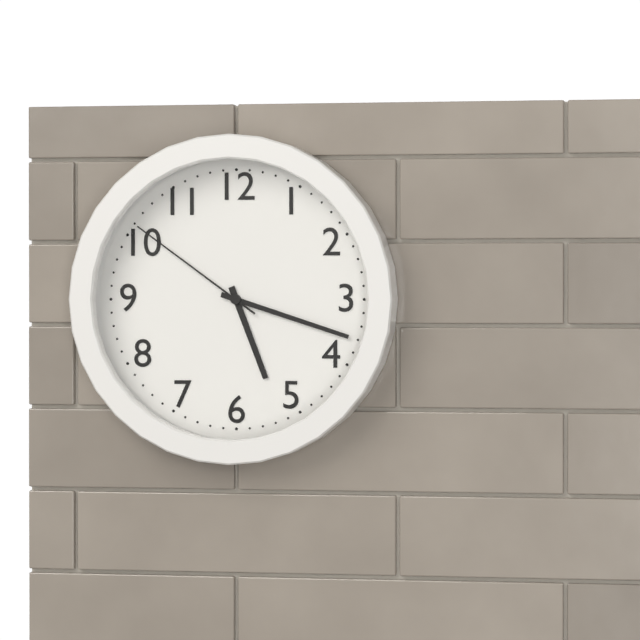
h=5 m=18 s=51
